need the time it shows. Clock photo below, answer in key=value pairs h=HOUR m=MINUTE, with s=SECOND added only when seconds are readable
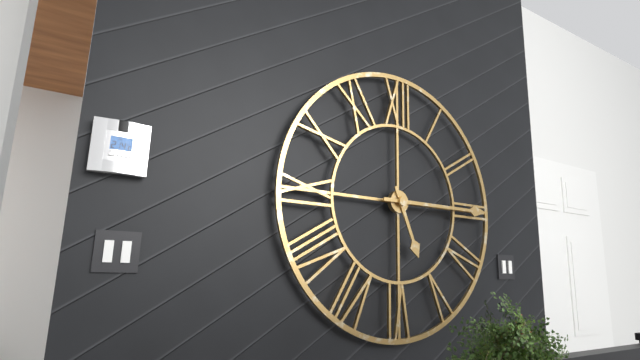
h=5 m=15
